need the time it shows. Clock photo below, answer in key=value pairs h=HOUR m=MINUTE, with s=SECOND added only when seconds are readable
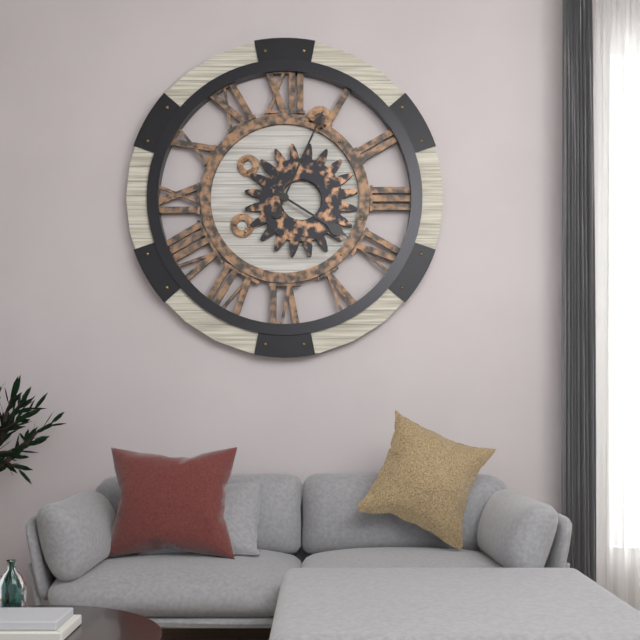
h=4 m=4
